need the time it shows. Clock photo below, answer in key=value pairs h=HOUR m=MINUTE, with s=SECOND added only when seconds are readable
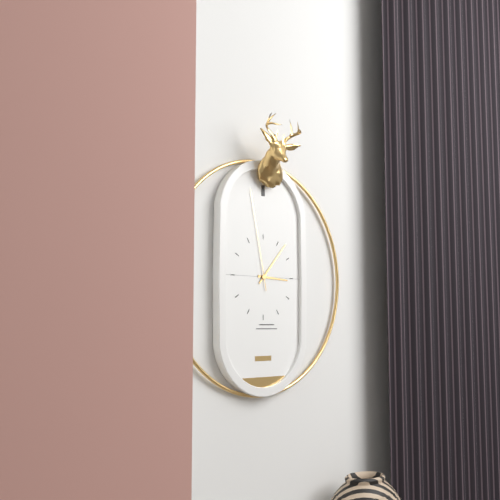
h=3 m=7 s=58
